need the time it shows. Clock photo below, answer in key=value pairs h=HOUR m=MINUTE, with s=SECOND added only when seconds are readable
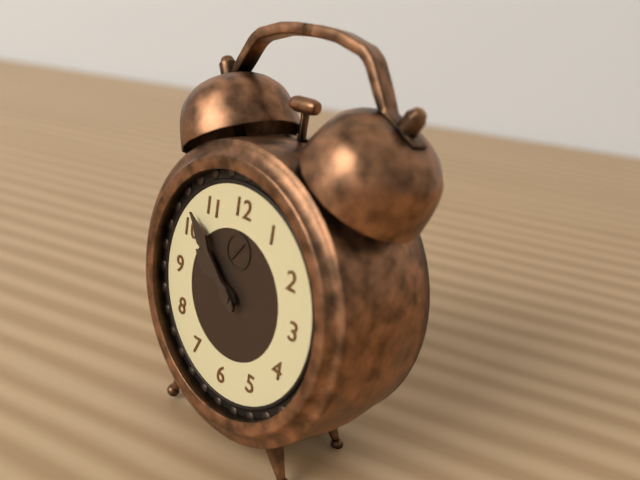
h=9 m=52
